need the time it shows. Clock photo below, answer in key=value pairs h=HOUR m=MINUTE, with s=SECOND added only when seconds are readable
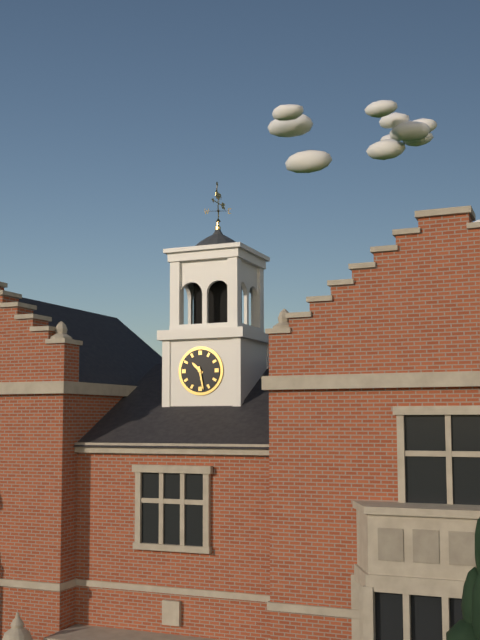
h=10 m=28
